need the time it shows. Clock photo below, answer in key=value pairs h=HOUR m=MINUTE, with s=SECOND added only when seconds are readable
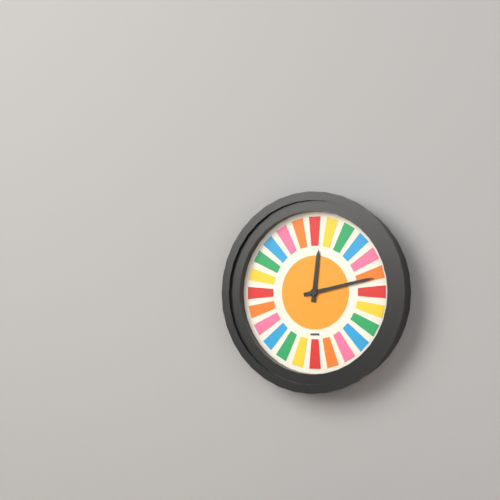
h=12 m=13
